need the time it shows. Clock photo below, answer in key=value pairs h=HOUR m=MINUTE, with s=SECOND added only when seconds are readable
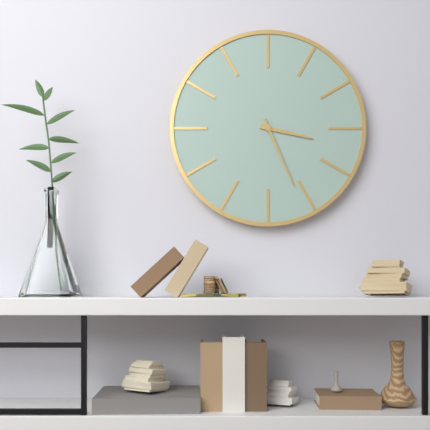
h=3 m=26
